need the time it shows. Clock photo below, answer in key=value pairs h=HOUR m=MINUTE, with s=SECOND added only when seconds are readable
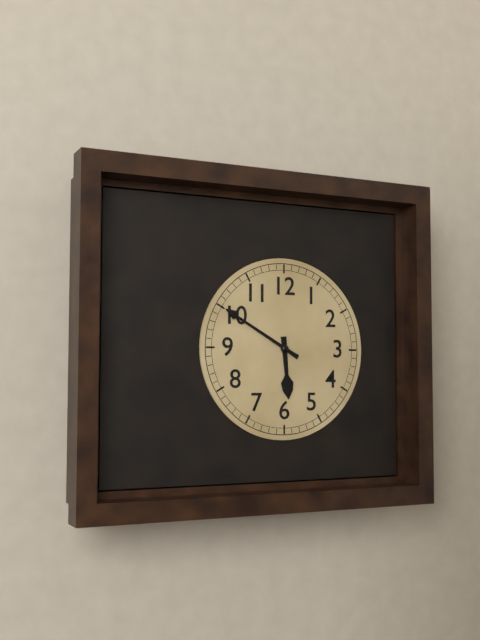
h=5 m=50
